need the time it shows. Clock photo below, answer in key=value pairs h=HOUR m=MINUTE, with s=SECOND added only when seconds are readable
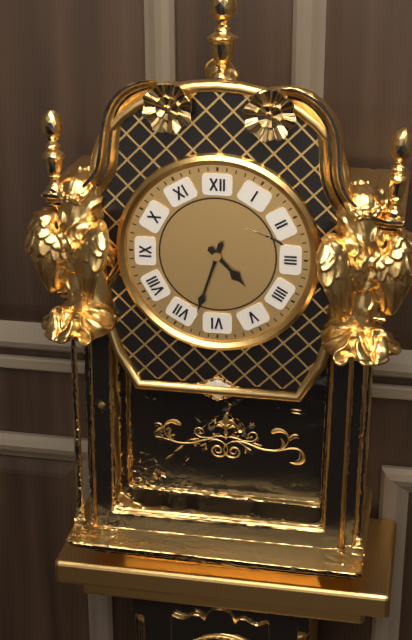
h=4 m=33
